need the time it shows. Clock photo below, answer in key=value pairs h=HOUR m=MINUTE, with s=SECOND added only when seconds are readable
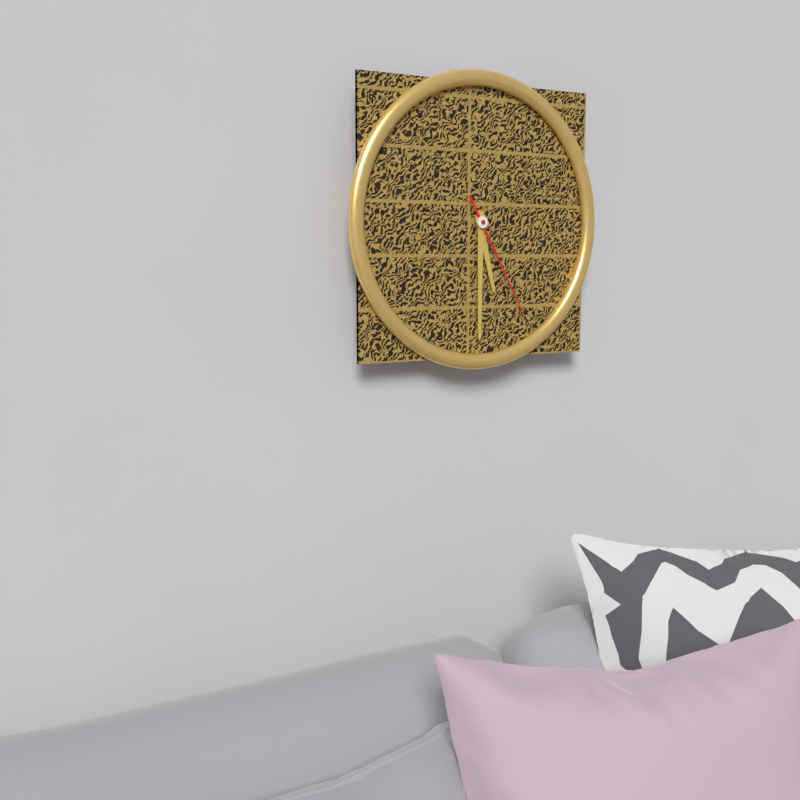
h=5 m=30 s=25
